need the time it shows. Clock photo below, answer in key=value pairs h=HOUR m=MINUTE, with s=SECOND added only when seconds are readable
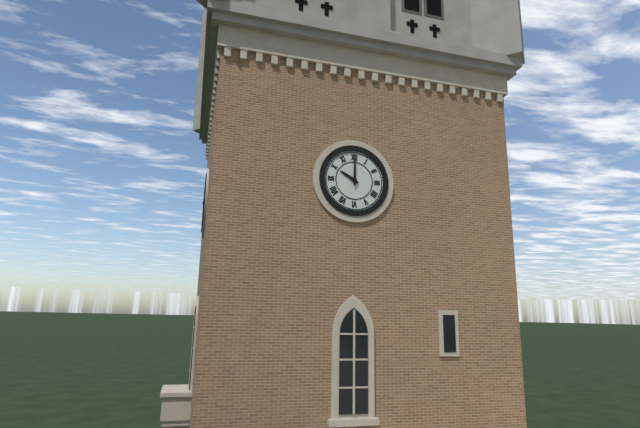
h=10 m=0
